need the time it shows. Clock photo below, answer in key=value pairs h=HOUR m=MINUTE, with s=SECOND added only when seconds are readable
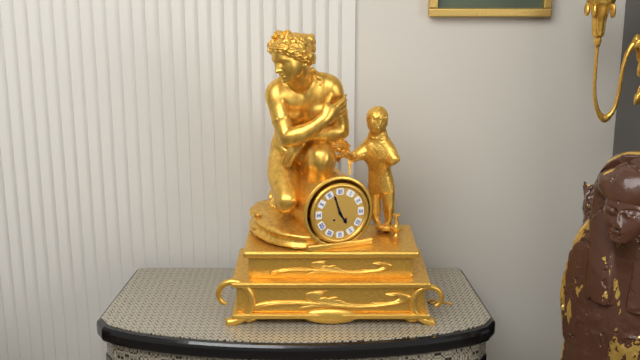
h=4 m=57
